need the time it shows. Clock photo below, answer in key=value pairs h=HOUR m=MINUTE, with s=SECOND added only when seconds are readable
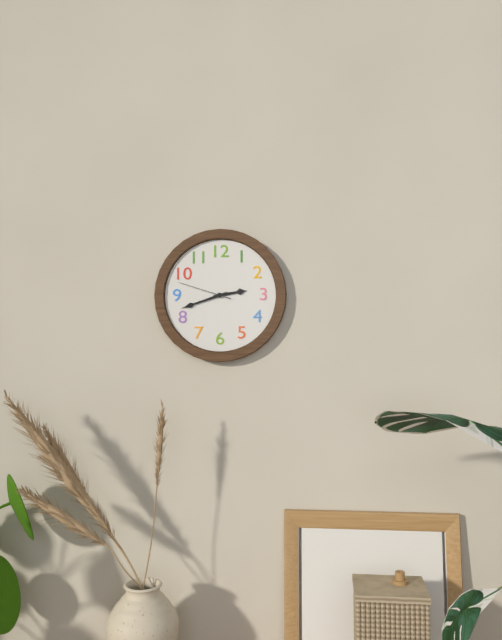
h=2 m=42 s=48
